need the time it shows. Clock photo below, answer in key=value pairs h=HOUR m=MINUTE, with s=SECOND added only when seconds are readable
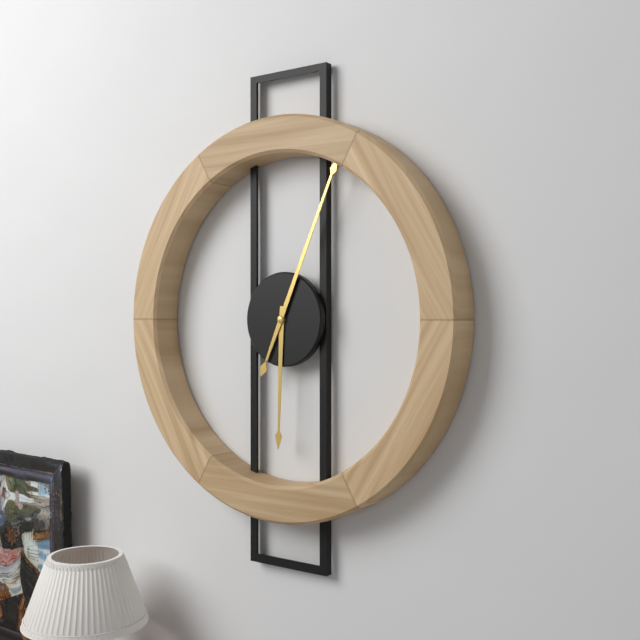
h=6 m=4
